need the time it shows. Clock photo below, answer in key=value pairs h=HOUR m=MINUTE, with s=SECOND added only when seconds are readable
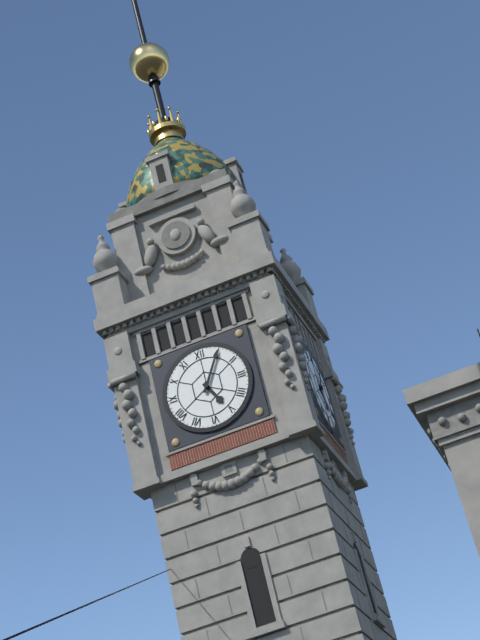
h=5 m=5
